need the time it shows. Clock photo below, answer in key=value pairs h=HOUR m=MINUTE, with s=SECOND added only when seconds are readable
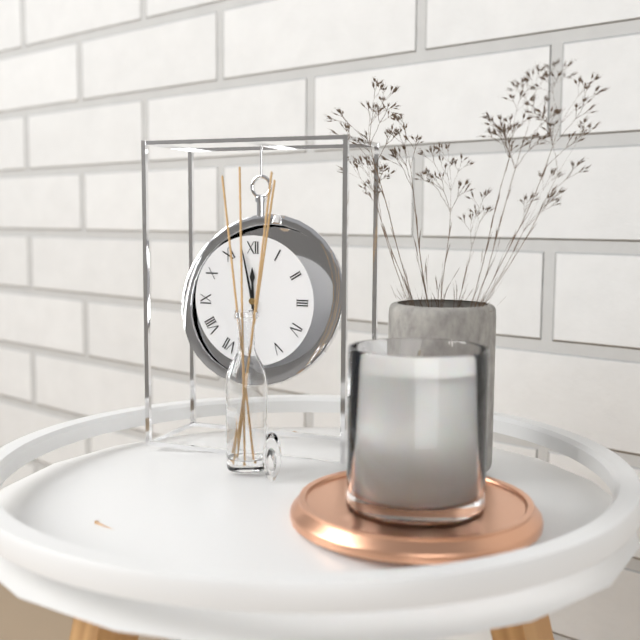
h=11 m=58
